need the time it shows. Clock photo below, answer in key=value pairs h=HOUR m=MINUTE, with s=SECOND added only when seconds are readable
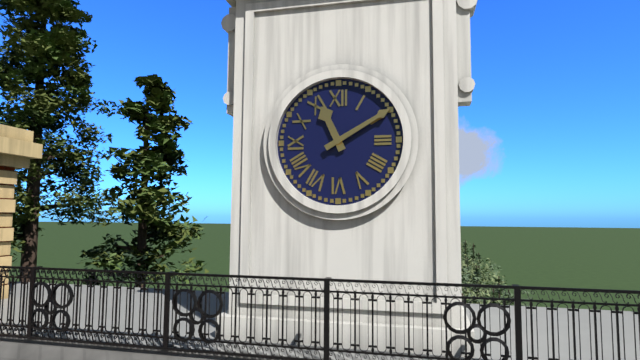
h=11 m=10
